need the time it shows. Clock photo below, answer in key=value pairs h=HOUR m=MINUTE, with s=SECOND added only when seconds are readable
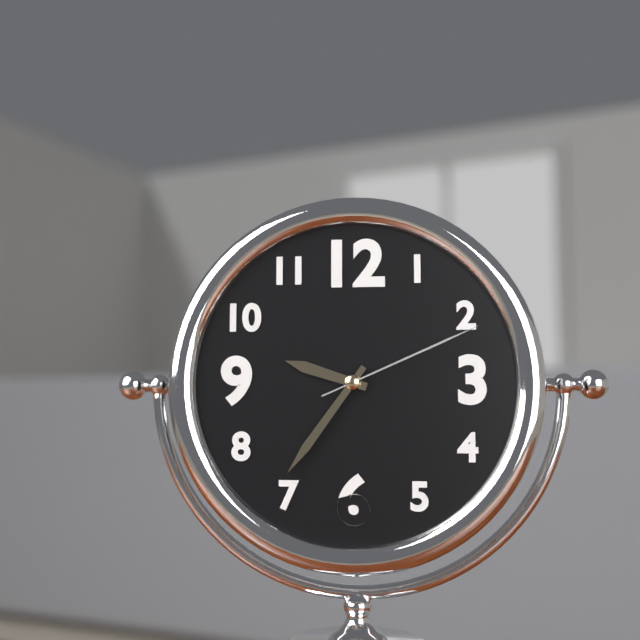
h=9 m=36 s=11
